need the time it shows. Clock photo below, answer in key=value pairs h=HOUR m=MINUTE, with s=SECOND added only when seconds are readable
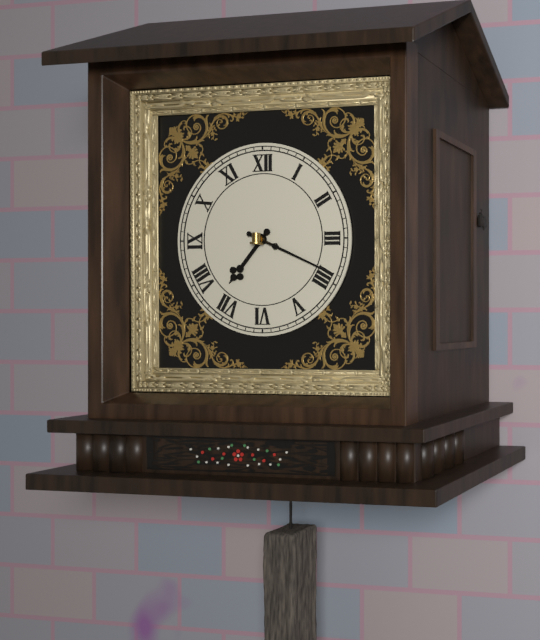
h=7 m=19
